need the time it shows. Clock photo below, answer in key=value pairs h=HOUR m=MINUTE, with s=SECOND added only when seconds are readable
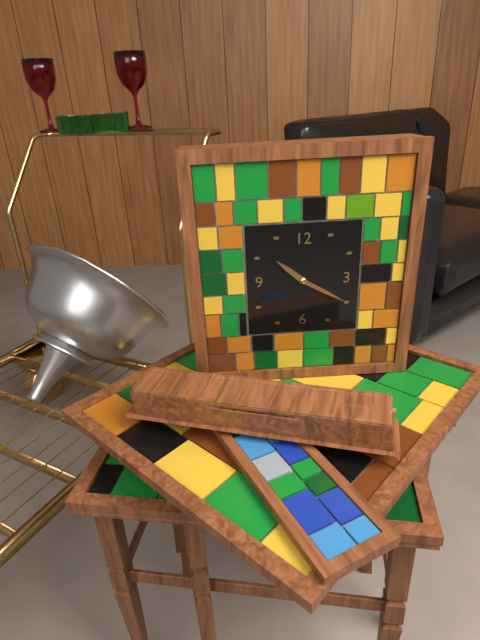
h=10 m=20
